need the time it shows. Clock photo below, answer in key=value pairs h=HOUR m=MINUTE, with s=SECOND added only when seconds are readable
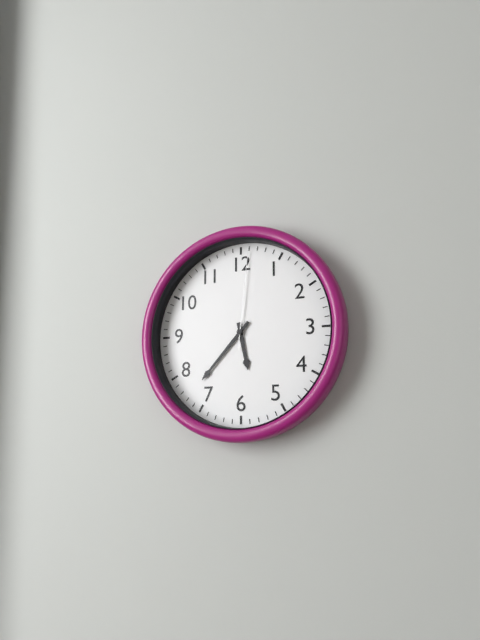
h=5 m=37 s=1
